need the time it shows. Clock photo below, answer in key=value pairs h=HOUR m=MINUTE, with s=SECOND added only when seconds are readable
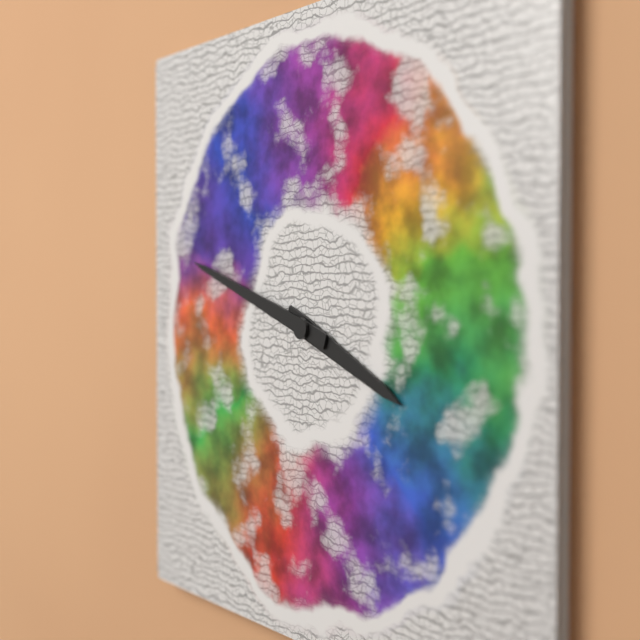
h=3 m=48
